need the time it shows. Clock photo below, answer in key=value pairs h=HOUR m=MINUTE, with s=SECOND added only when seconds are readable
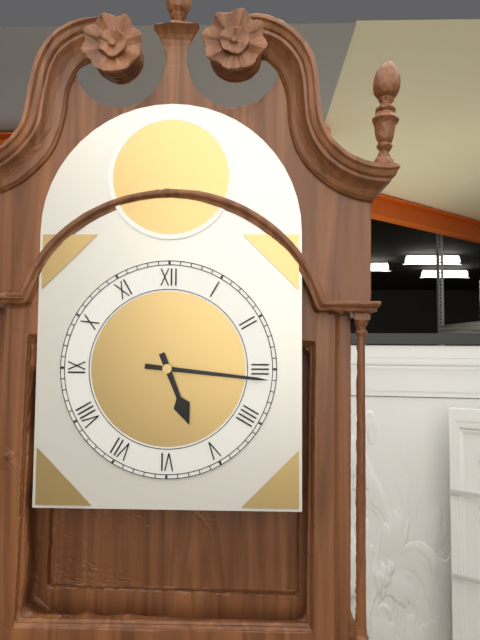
h=5 m=16
